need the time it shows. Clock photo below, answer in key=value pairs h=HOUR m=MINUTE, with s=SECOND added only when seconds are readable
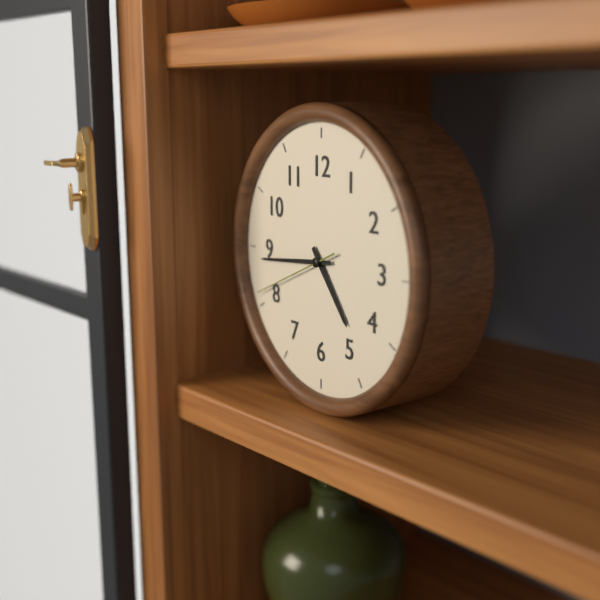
h=4 m=44 s=41
